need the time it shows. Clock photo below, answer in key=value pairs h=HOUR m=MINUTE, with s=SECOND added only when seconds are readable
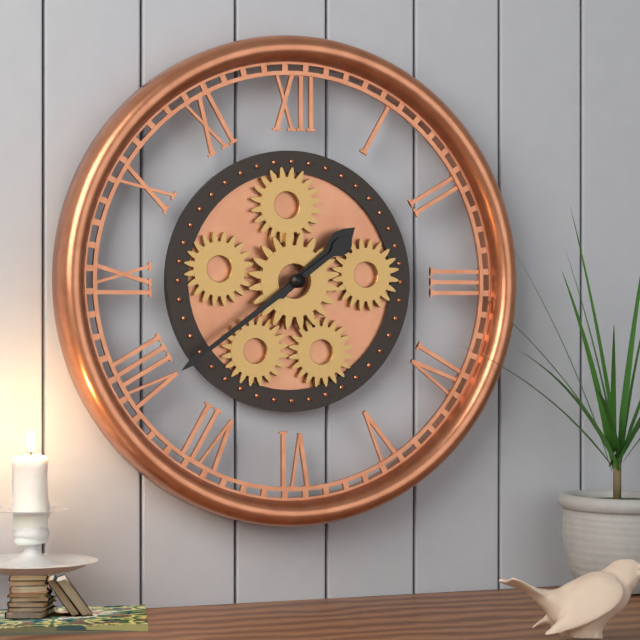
h=1 m=39
